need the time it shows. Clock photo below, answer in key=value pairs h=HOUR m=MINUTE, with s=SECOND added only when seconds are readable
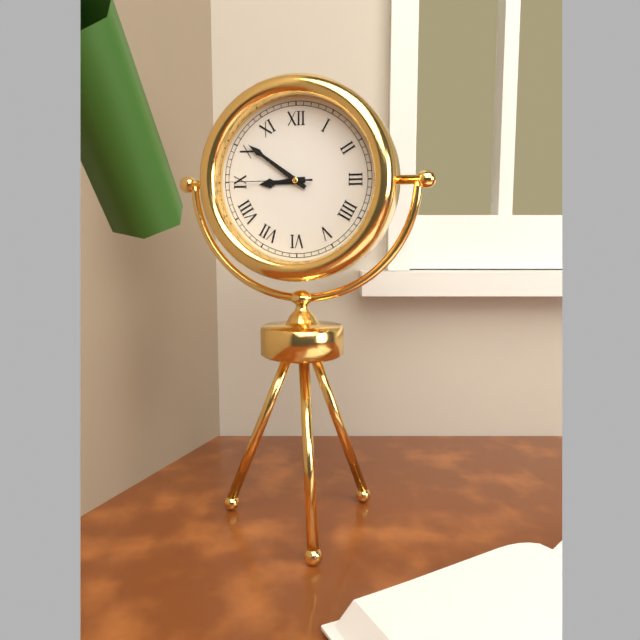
h=8 m=51 s=45
